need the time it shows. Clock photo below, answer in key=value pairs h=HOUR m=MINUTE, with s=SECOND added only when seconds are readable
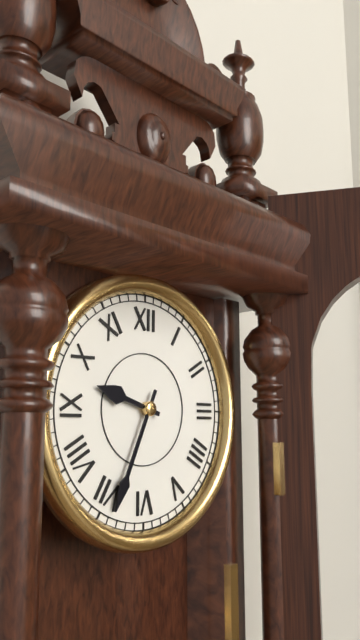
h=9 m=34
